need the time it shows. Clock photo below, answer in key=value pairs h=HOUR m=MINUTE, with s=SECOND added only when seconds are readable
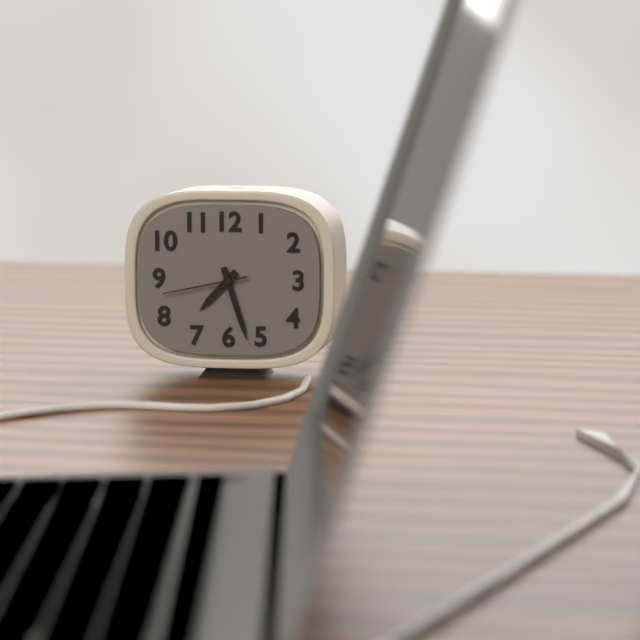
h=7 m=27 s=43
